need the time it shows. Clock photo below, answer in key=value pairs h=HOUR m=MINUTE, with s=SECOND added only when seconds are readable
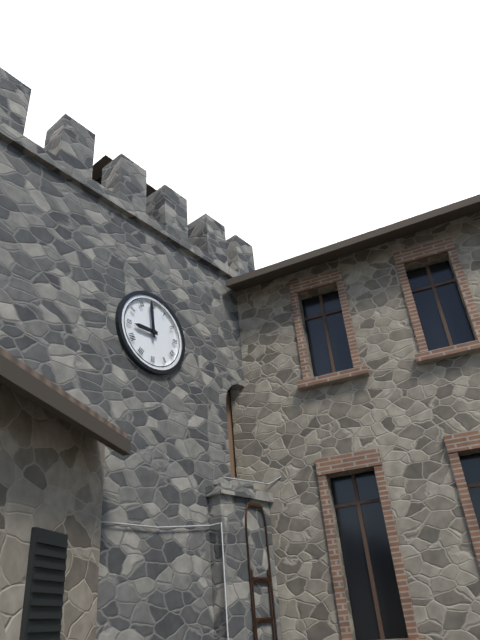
h=8 m=59
